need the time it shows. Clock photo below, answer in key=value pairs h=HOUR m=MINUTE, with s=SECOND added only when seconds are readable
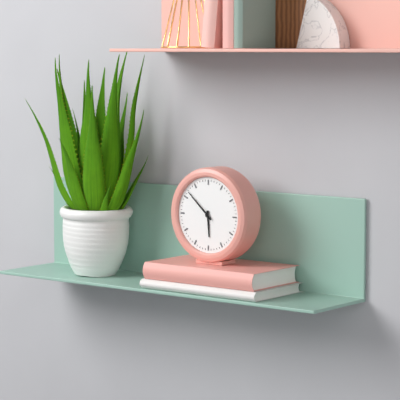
h=5 m=52
